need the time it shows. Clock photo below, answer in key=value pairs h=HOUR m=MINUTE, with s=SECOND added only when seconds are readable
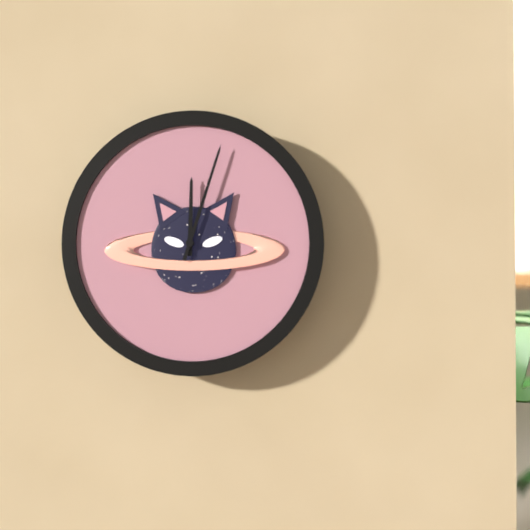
h=12 m=3
